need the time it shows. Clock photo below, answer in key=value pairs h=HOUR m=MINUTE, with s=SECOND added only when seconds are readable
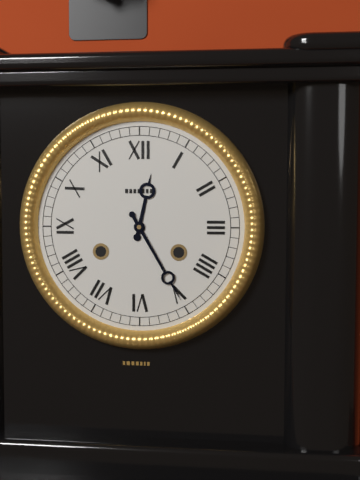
h=12 m=25
